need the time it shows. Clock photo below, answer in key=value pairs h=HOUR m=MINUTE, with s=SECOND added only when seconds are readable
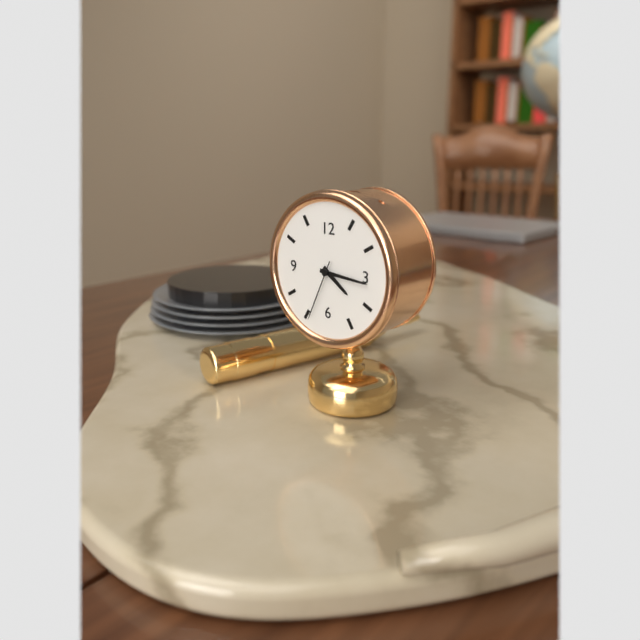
h=4 m=16 s=34
